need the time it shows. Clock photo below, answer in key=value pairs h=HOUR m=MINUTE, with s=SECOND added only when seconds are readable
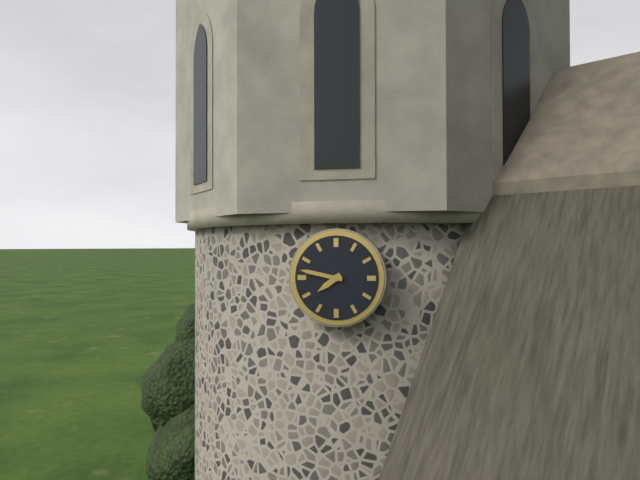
h=7 m=47
